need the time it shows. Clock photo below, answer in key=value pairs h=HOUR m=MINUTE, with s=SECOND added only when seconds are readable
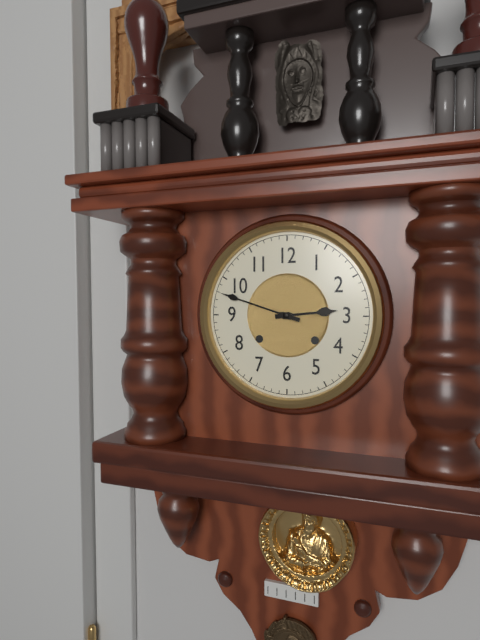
h=2 m=48
